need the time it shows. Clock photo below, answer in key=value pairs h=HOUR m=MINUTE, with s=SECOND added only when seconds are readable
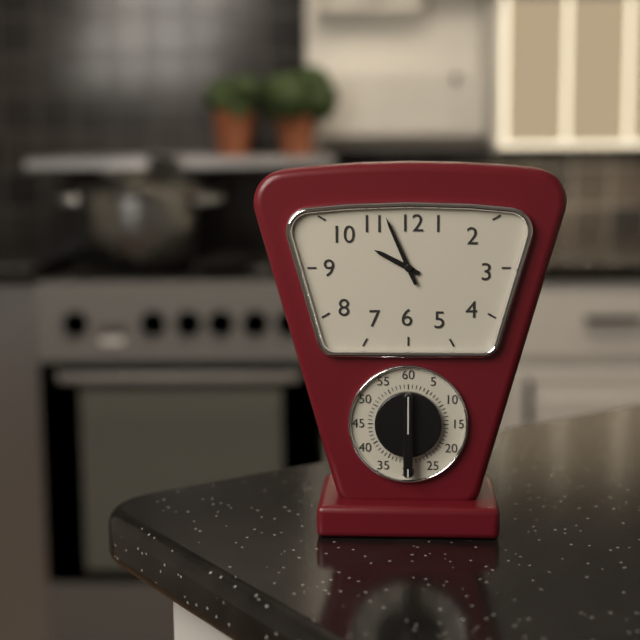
h=9 m=56
